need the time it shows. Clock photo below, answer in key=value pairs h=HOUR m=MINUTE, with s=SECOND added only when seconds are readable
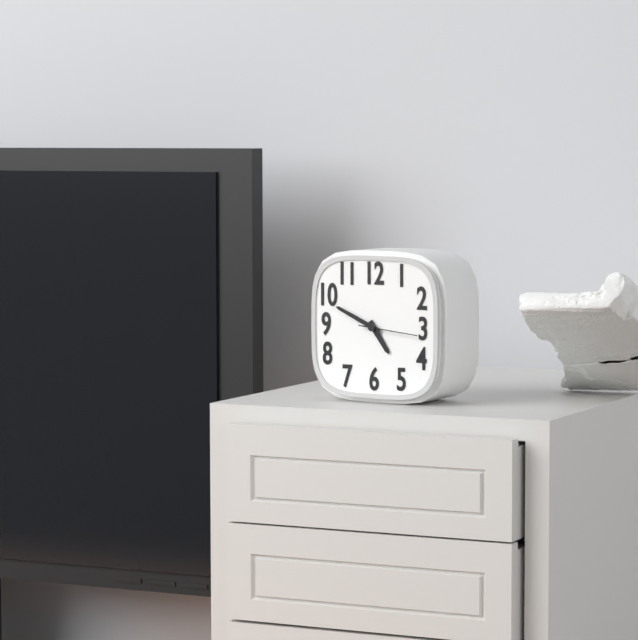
h=4 m=49 s=16
